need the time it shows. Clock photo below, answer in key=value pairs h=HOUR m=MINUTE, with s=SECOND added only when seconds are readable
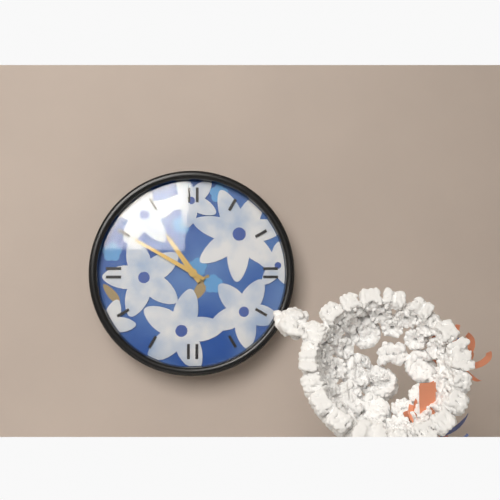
h=10 m=50
